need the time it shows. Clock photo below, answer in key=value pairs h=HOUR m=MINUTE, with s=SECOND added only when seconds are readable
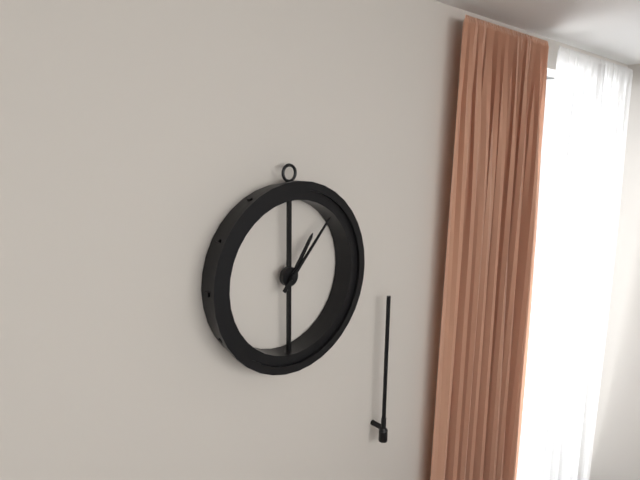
h=1 m=7
